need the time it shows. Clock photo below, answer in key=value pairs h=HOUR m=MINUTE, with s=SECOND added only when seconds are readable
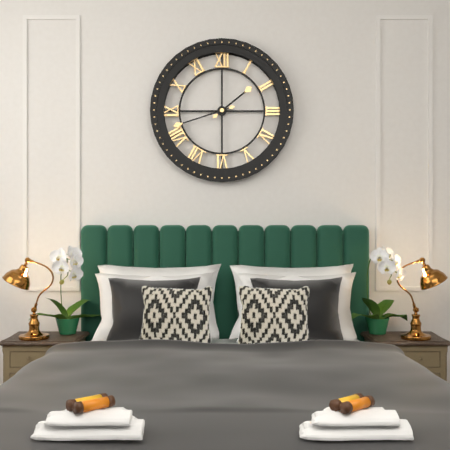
h=1 m=42
